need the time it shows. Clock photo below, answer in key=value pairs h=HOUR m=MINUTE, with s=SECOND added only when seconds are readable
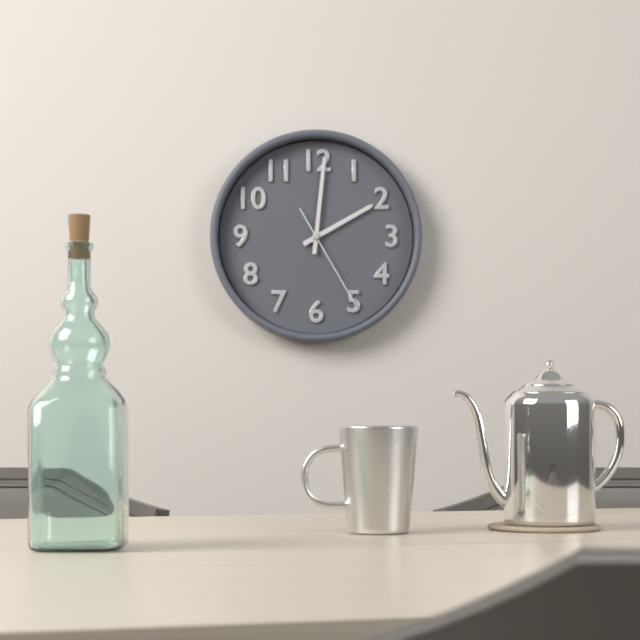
h=2 m=1 s=25
